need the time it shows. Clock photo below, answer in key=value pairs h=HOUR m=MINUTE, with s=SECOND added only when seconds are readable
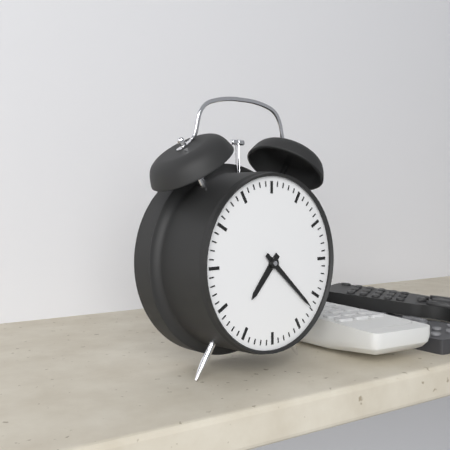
h=7 m=22
